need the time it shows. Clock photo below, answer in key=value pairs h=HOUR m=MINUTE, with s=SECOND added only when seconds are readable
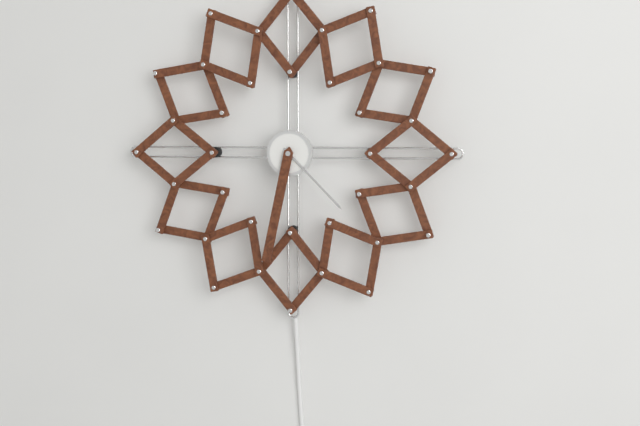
h=4 m=32
